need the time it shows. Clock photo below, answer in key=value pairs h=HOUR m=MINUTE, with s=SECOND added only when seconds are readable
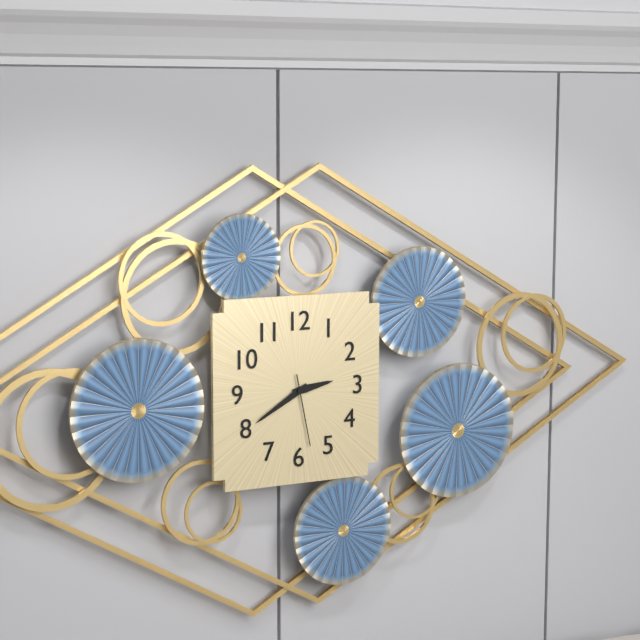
h=2 m=40 s=28
